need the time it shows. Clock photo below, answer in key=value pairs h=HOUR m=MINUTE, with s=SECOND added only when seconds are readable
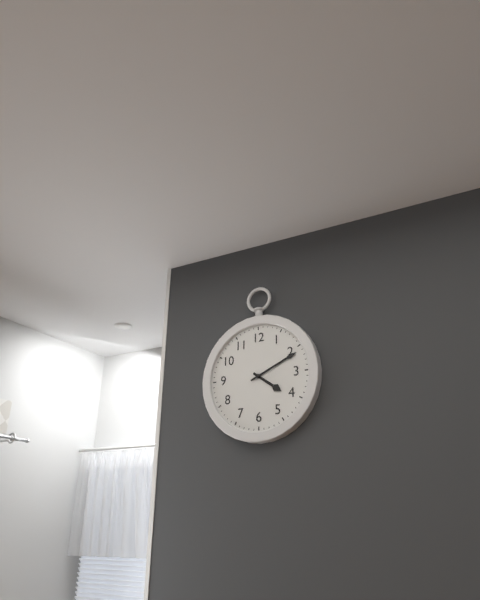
h=4 m=11
